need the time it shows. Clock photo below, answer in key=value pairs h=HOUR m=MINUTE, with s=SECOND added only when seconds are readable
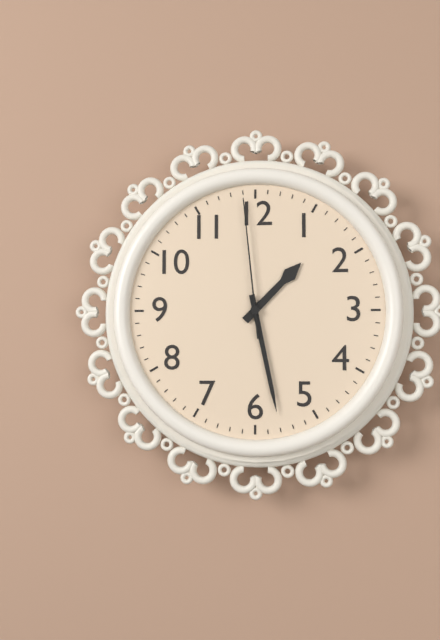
h=1 m=28 s=59
